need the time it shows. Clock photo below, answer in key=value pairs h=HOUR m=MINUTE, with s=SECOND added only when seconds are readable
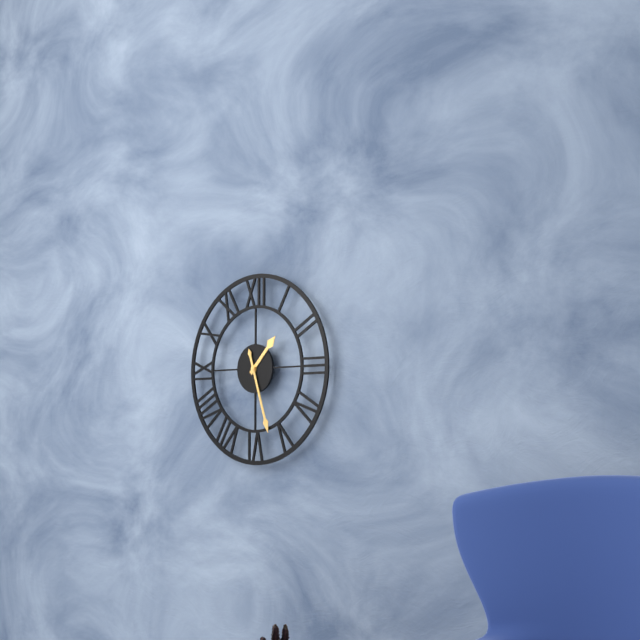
h=1 m=27
